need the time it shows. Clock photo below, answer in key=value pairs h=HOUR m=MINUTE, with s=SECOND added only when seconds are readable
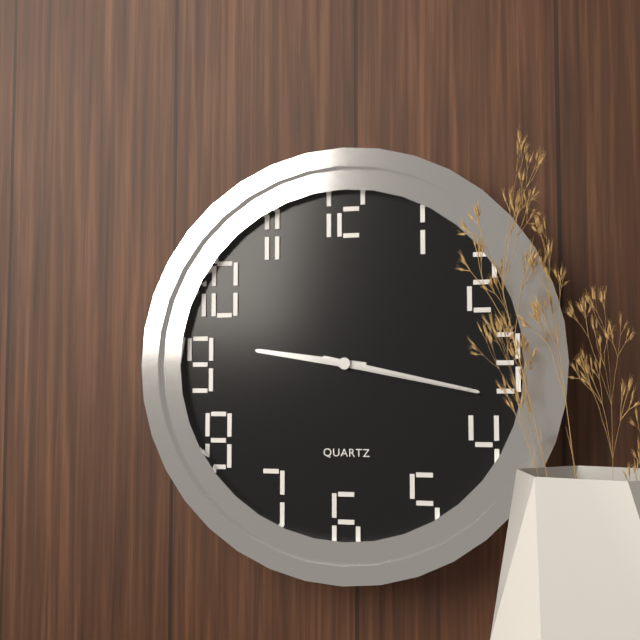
h=9 m=17 s=17
